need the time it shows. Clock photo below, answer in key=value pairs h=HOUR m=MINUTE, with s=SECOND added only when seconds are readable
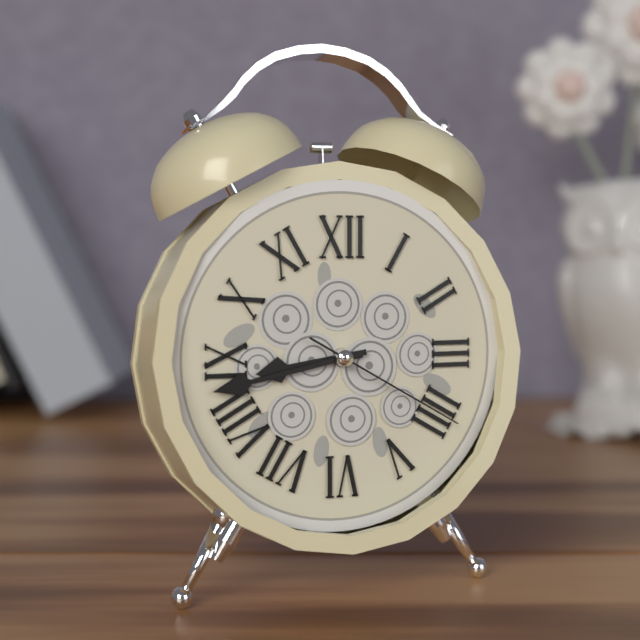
h=8 m=43 s=20
